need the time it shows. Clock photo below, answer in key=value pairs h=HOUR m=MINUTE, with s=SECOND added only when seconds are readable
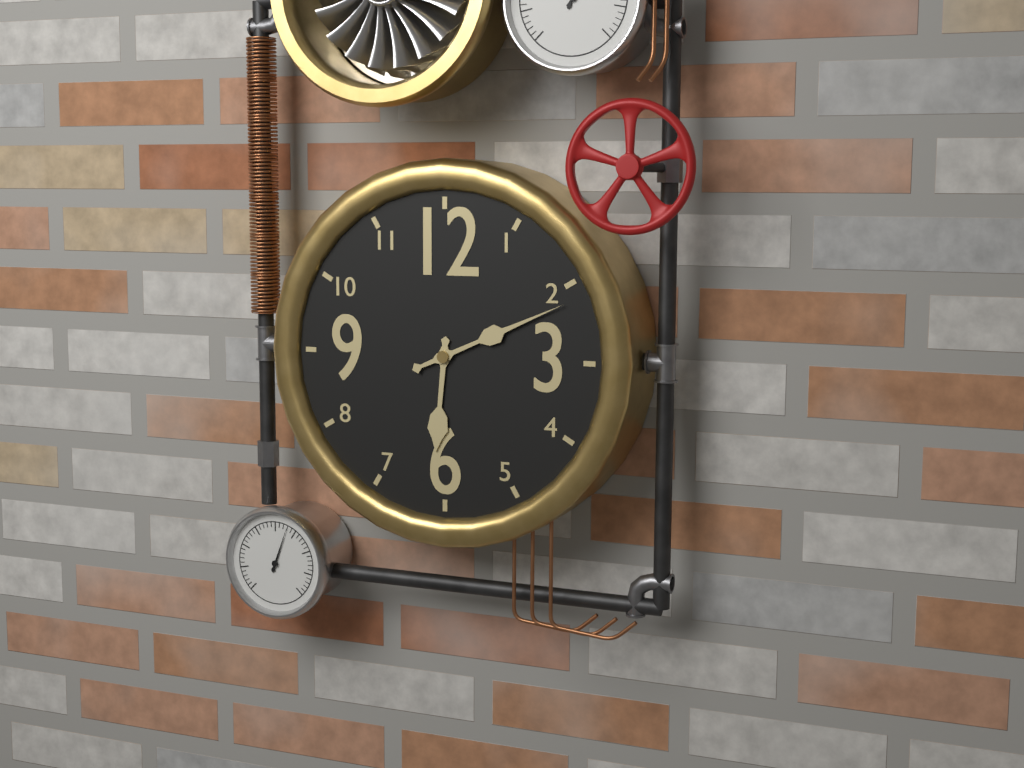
h=6 m=11
